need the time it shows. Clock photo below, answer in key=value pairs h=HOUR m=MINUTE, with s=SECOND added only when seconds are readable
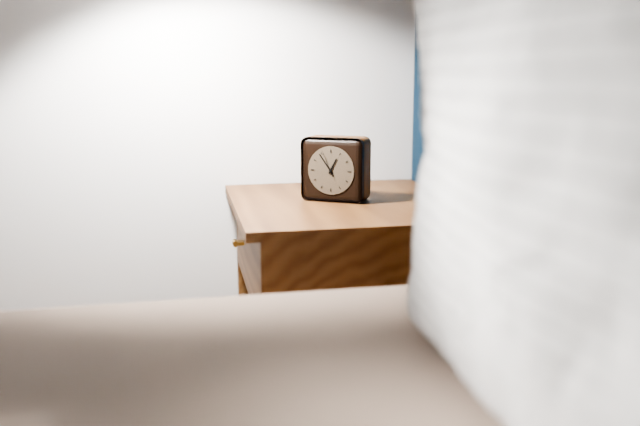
h=12 m=54
